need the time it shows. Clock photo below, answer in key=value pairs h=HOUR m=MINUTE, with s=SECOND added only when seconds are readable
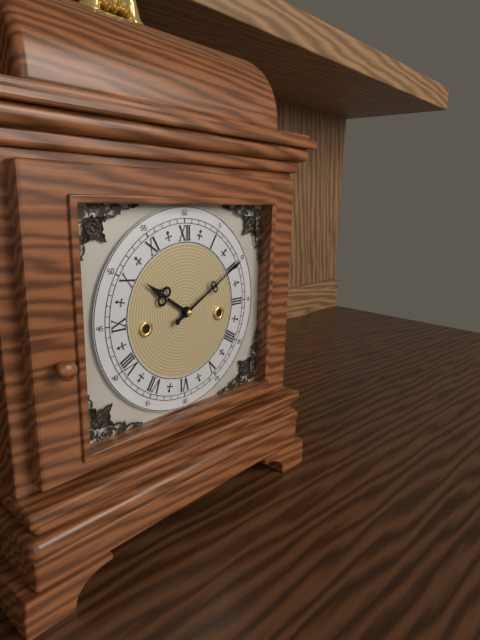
h=10 m=10
